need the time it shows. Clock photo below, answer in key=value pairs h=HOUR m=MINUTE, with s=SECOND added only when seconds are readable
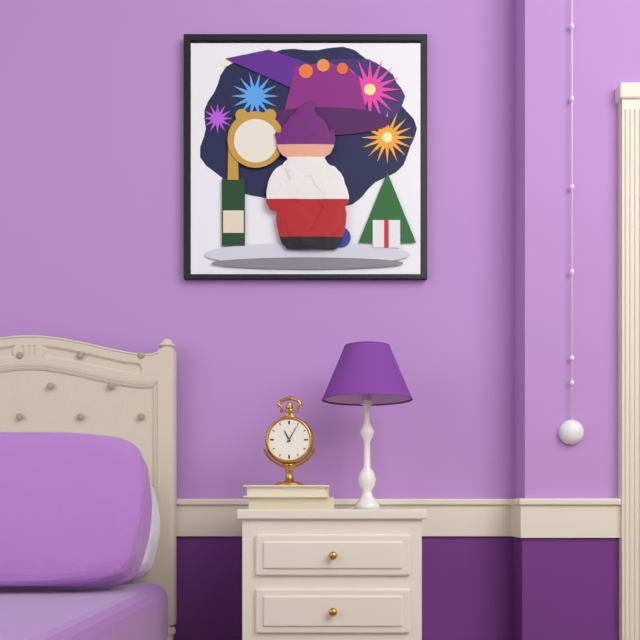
h=11 m=5
